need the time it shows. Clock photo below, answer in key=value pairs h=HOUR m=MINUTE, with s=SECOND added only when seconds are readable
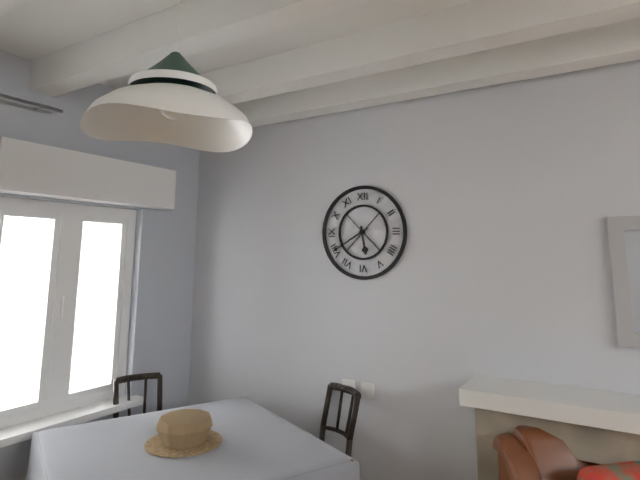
h=5 m=40
